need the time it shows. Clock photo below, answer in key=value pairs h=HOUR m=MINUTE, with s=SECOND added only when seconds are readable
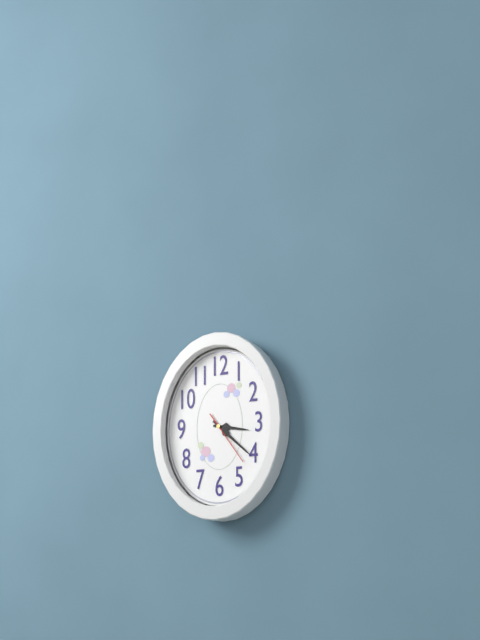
h=3 m=22 s=24
